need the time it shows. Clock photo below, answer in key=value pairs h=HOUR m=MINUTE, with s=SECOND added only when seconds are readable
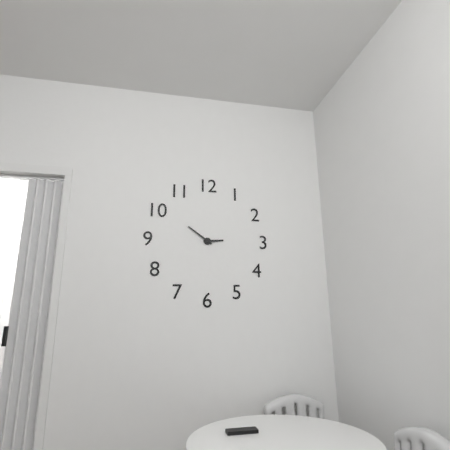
h=2 m=51
